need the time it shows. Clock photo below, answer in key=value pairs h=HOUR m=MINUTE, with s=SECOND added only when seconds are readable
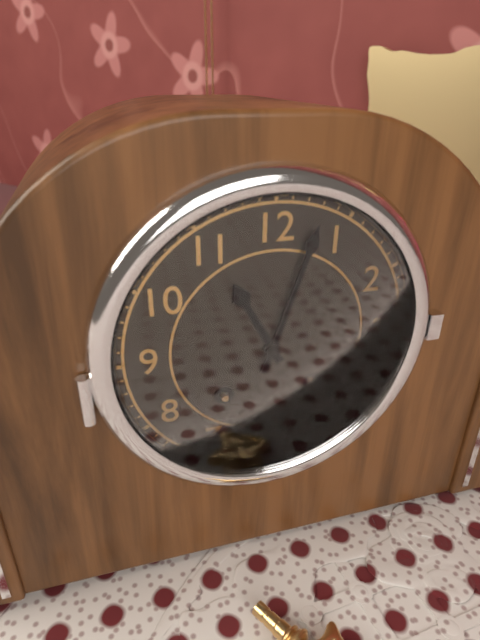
h=11 m=3
